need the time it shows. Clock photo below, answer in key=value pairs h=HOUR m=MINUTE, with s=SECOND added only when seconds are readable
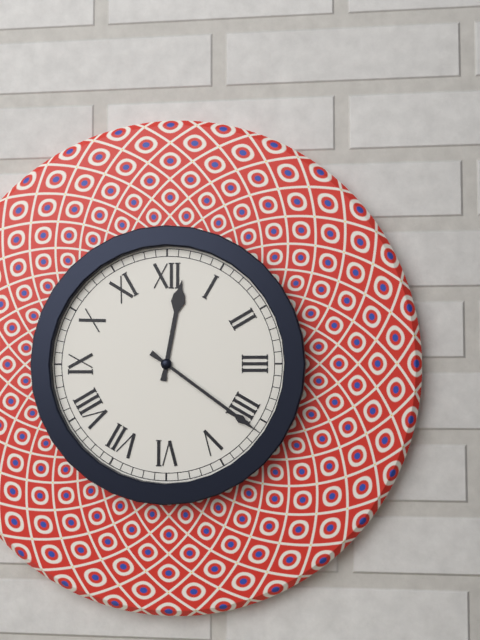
h=12 m=21
